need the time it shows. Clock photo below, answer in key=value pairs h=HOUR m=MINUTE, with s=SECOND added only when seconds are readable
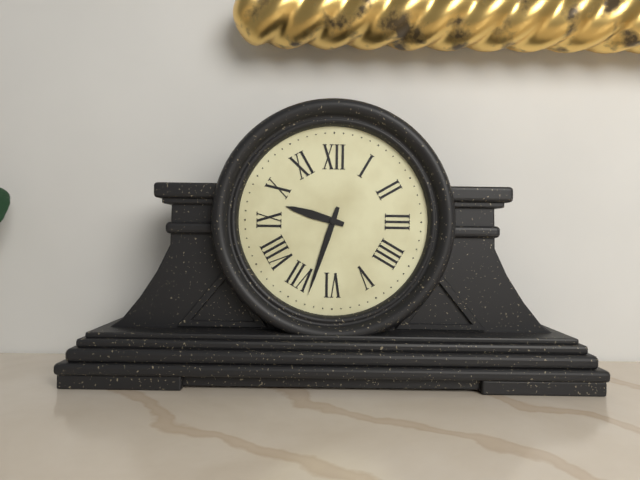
h=9 m=33
